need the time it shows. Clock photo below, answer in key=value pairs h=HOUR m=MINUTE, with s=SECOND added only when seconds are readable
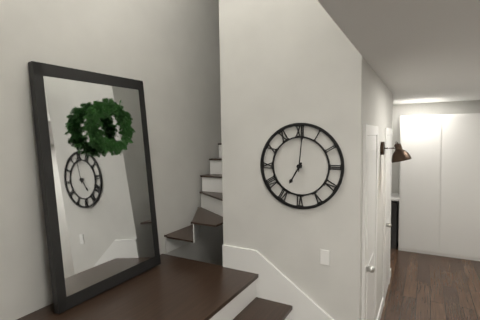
h=7 m=1
